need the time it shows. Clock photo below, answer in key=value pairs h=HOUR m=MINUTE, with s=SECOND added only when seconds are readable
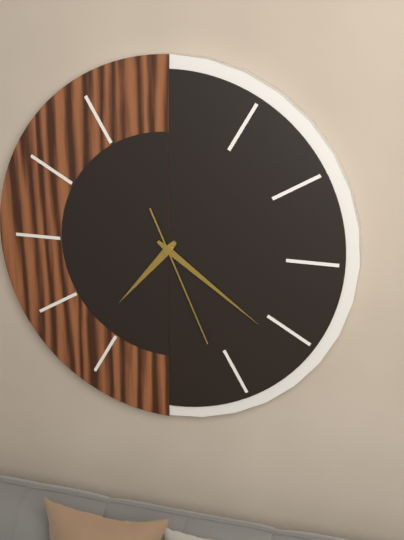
h=7 m=21 s=26
